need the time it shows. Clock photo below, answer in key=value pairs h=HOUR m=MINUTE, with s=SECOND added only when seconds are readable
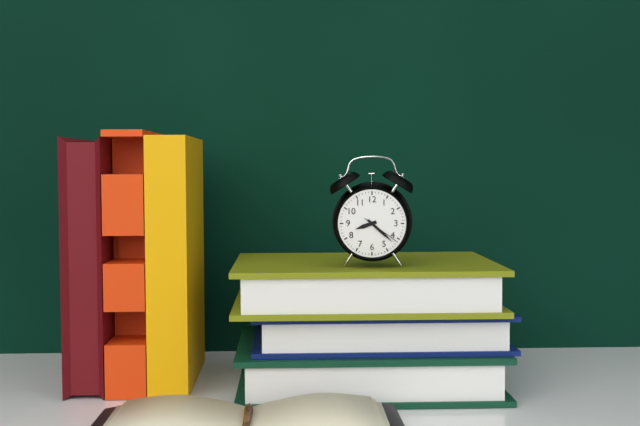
h=8 m=22
